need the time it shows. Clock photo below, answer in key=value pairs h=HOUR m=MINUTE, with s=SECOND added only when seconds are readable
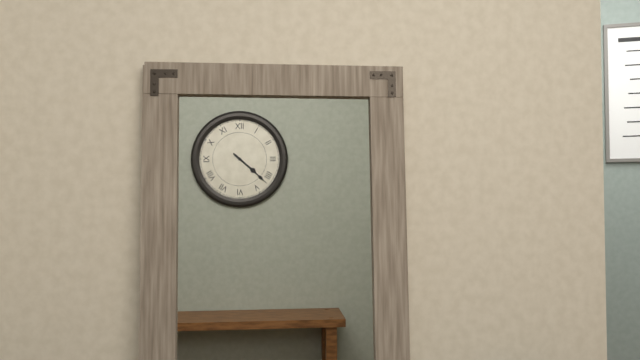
h=4 m=22
